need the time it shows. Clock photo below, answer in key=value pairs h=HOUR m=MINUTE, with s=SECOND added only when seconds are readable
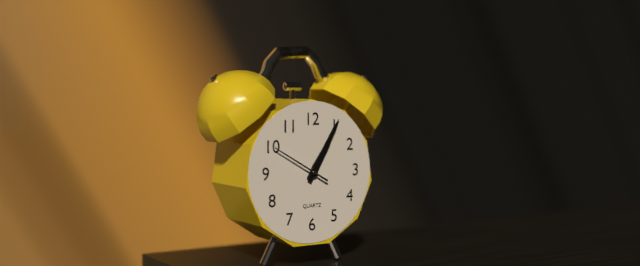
h=1 m=5 s=50
